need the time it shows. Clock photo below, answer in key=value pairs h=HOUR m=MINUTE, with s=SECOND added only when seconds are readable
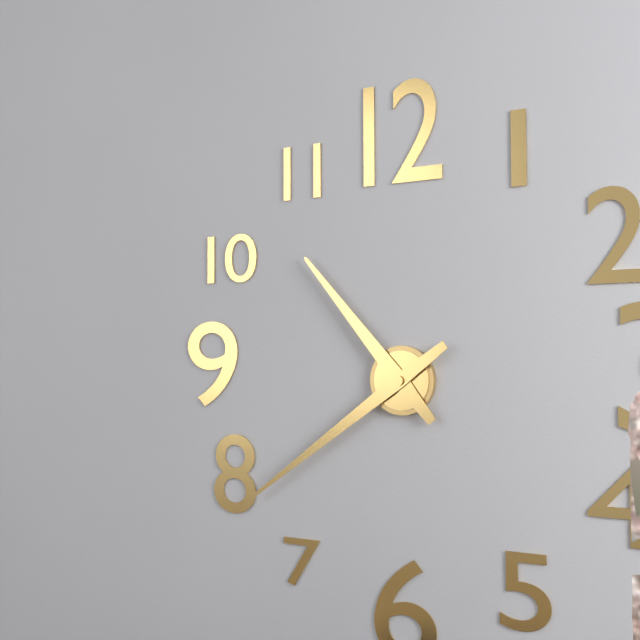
h=10 m=39
